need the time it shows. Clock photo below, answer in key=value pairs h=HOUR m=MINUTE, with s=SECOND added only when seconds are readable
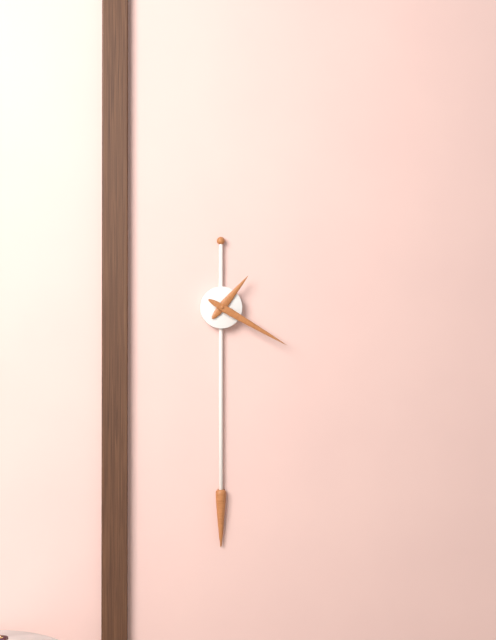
h=1 m=20
